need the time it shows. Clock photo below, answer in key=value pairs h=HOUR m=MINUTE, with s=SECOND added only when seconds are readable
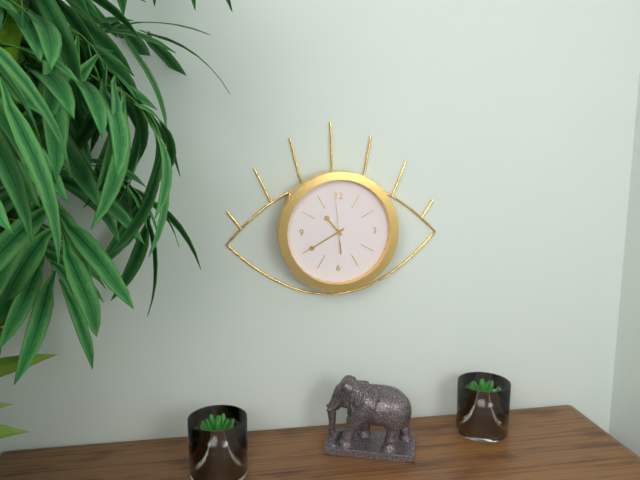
h=10 m=40 s=59
